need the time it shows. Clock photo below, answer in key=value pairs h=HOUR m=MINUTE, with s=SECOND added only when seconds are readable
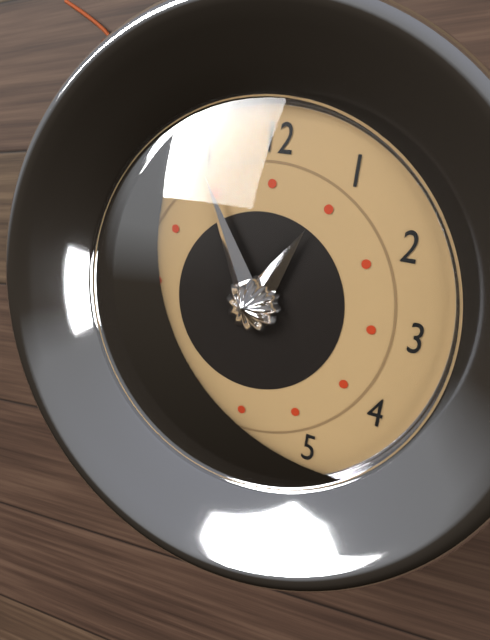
h=12 m=55
